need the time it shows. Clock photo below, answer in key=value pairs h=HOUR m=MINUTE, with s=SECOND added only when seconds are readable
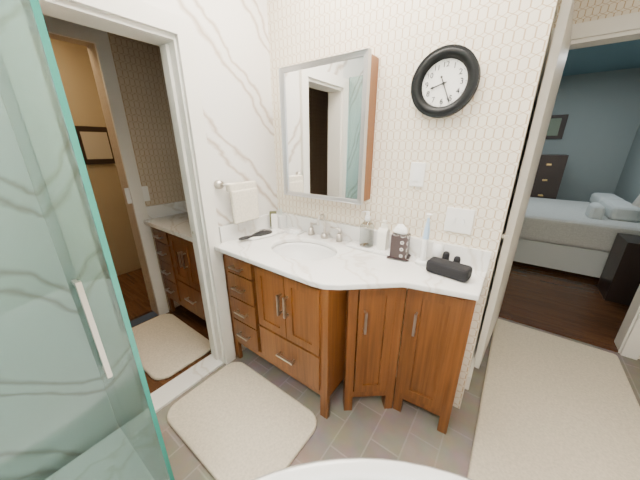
h=8 m=26
